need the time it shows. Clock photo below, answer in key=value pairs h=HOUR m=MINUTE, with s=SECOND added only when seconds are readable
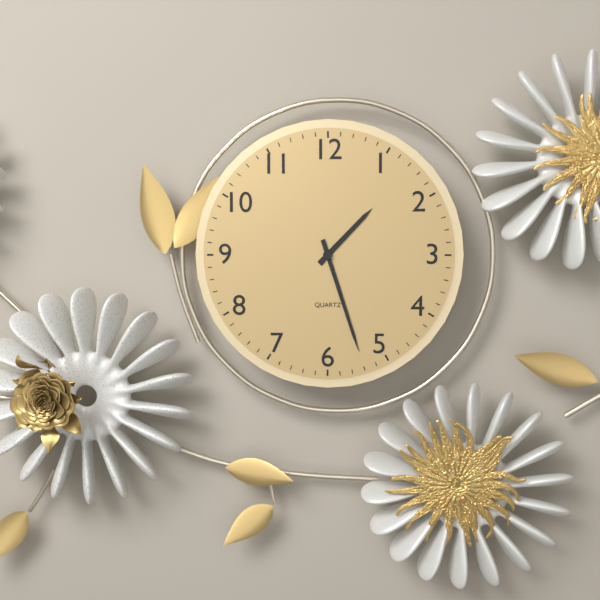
h=1 m=27
